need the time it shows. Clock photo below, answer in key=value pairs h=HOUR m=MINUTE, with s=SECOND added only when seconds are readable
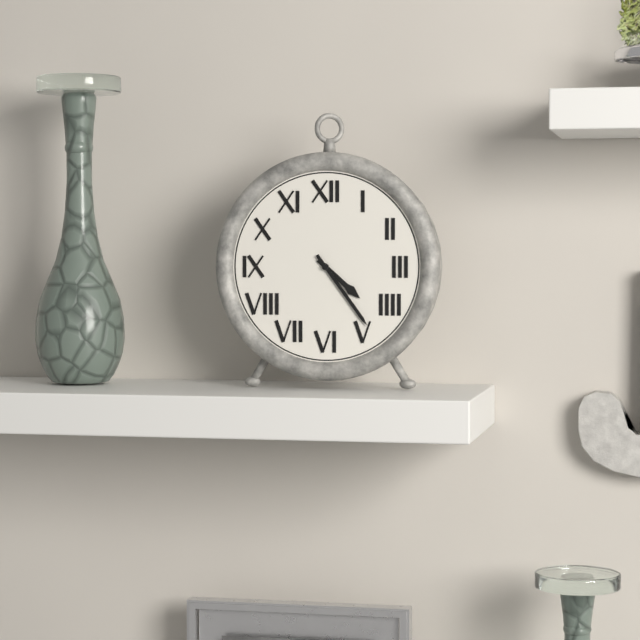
h=4 m=24
